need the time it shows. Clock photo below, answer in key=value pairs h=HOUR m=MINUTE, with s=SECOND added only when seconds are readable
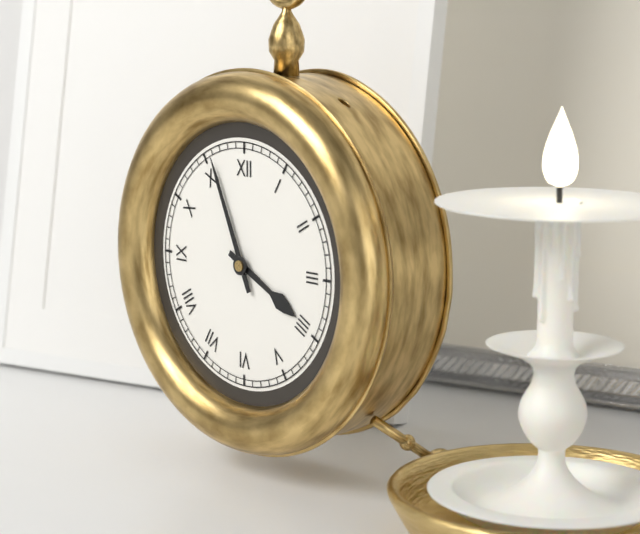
h=3 m=56
